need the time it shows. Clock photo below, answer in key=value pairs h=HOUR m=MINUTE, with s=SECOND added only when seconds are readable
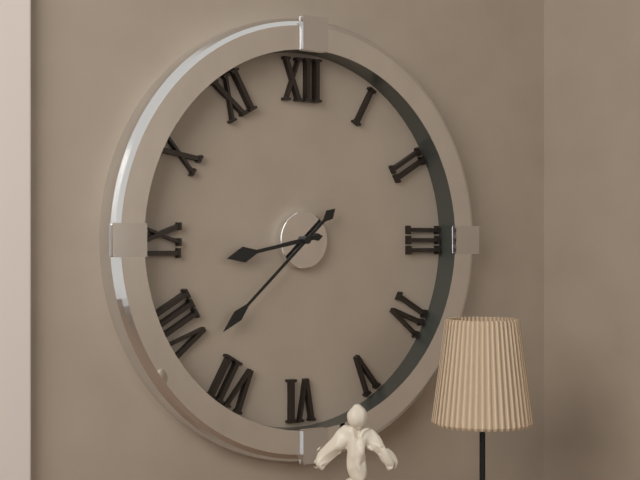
h=8 m=38
